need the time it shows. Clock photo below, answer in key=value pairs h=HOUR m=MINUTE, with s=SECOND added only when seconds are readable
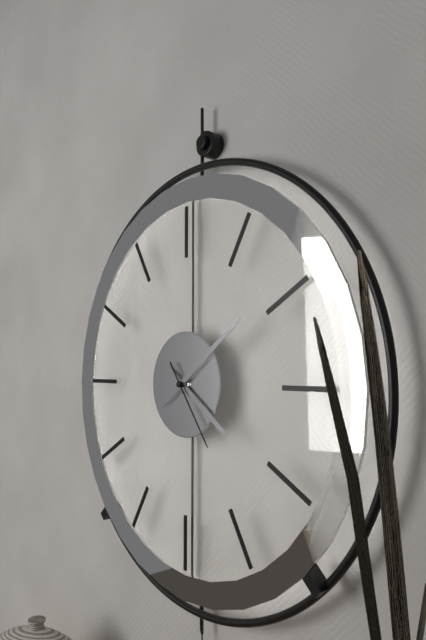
h=4 m=9 s=24
